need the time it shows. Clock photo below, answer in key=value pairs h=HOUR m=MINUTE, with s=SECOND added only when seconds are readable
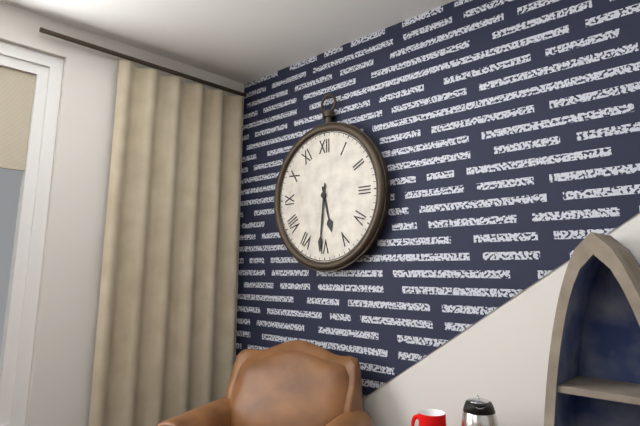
h=5 m=31
